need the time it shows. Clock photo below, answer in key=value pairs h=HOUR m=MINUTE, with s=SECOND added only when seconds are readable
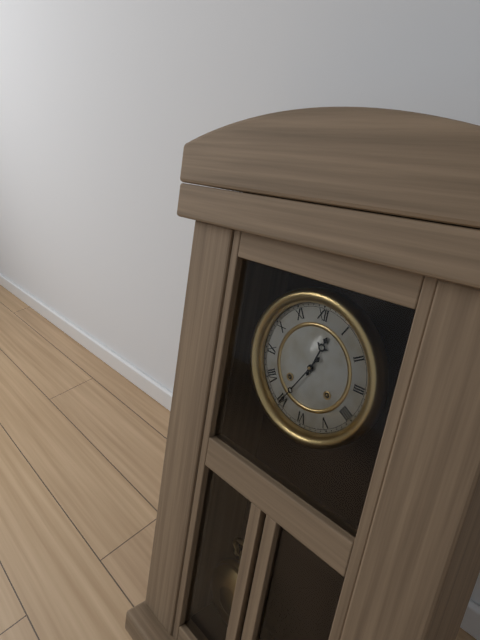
h=12 m=35
